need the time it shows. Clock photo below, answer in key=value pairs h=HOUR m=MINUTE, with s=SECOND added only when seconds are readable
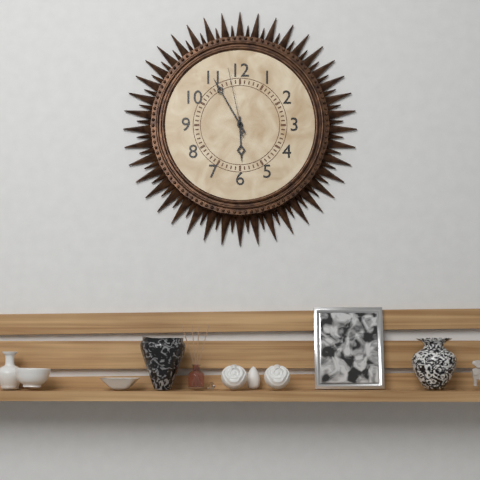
h=5 m=55 s=58
